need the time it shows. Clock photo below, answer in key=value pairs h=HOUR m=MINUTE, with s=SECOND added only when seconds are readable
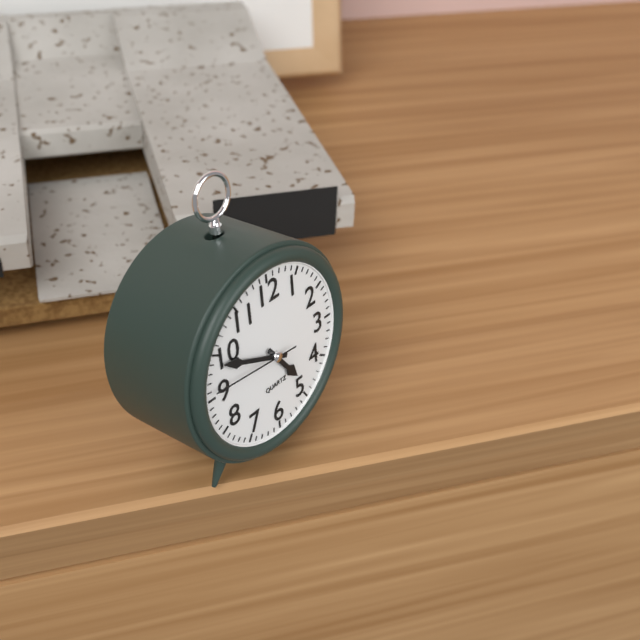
h=4 m=49 s=46
